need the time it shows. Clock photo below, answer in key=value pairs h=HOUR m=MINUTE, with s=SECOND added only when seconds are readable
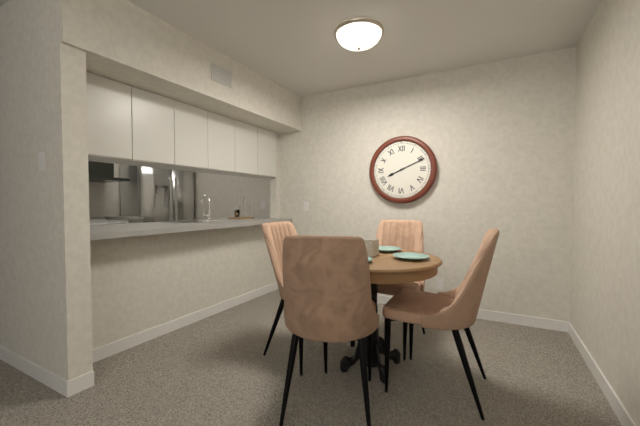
h=8 m=11
